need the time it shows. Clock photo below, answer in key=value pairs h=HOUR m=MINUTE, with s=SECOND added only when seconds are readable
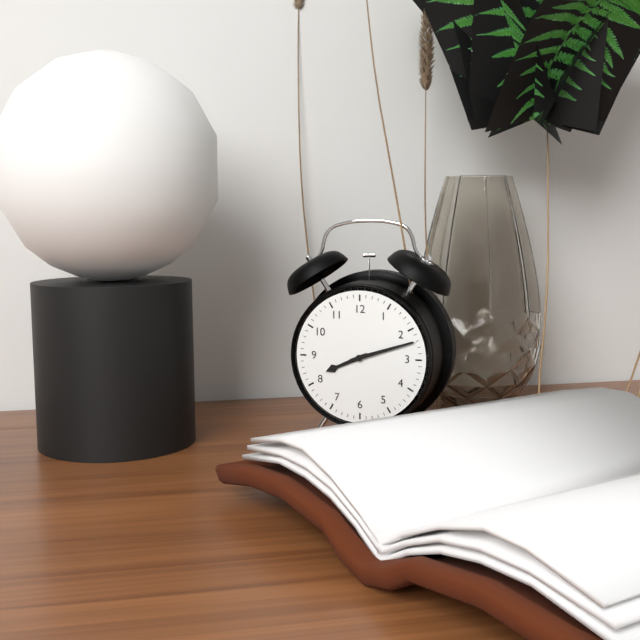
h=8 m=12
